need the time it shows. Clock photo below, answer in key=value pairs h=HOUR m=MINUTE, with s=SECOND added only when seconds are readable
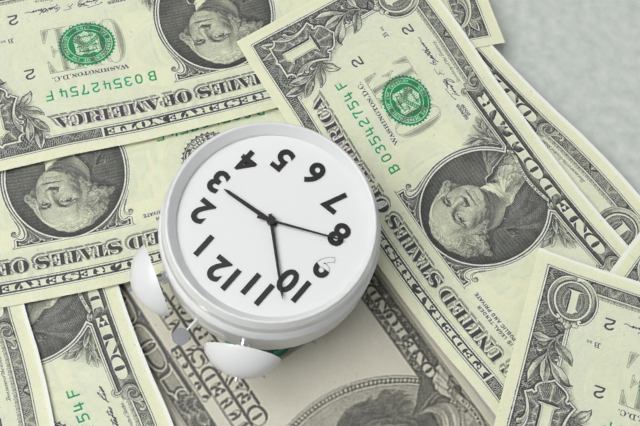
h=2 m=52 s=41
